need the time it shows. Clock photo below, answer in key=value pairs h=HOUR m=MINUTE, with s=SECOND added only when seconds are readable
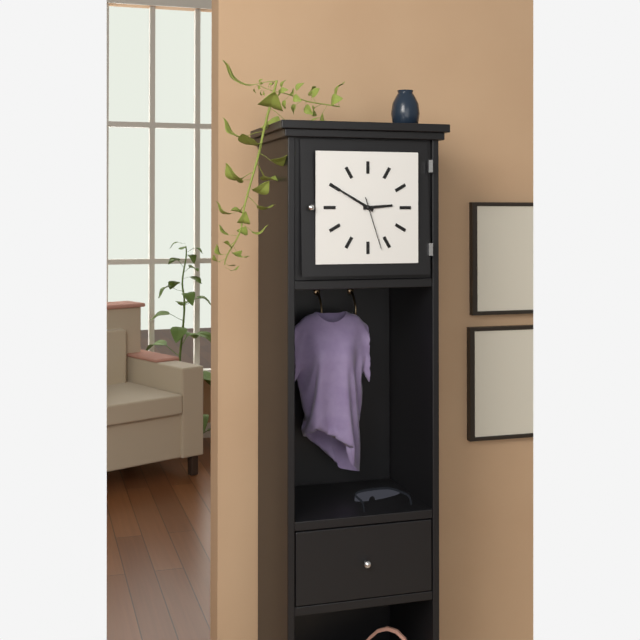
h=2 m=50 s=27
